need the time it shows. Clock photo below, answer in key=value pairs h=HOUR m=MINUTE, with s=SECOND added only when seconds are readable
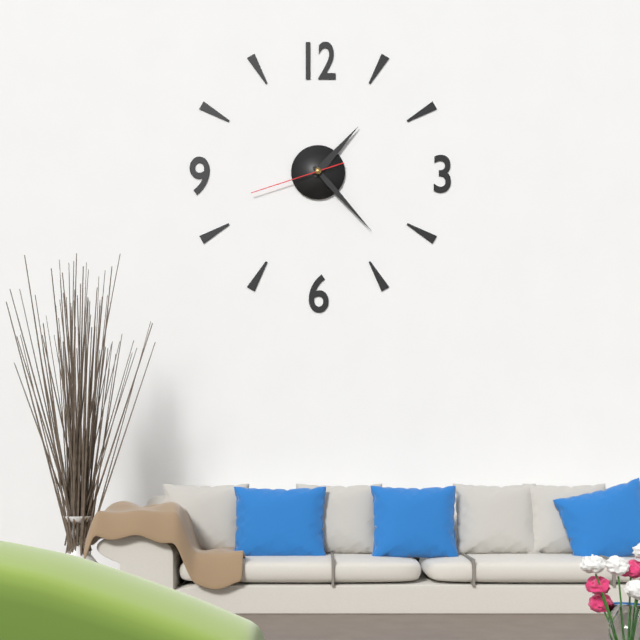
h=1 m=23 s=42
